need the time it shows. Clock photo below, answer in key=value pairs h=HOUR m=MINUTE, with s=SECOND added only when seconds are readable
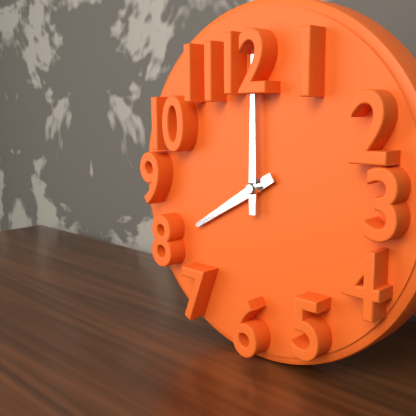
h=8 m=0
